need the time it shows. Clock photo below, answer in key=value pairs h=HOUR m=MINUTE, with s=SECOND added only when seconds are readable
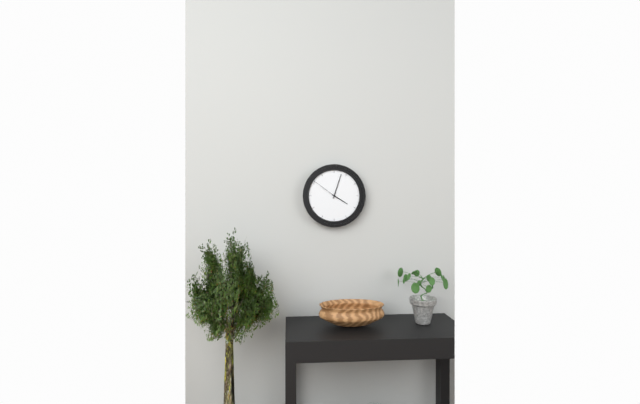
h=4 m=3
